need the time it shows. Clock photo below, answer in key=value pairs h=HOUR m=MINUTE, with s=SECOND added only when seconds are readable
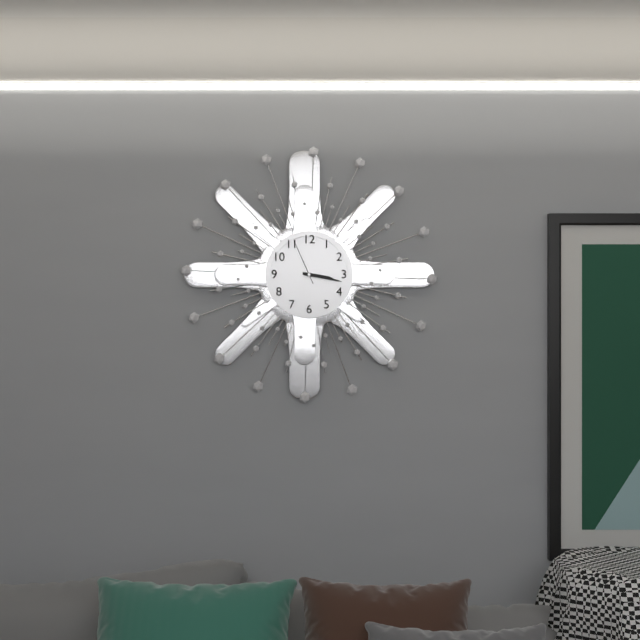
h=3 m=17
